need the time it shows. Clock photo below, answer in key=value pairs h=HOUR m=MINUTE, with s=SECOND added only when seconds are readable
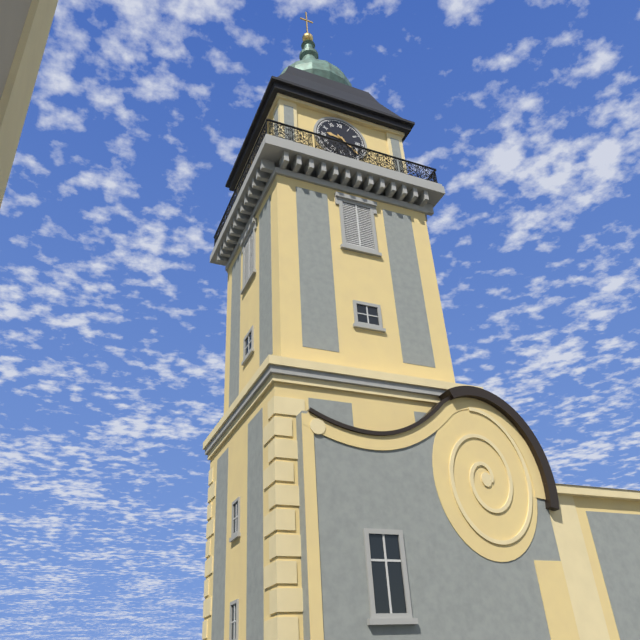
h=9 m=22
